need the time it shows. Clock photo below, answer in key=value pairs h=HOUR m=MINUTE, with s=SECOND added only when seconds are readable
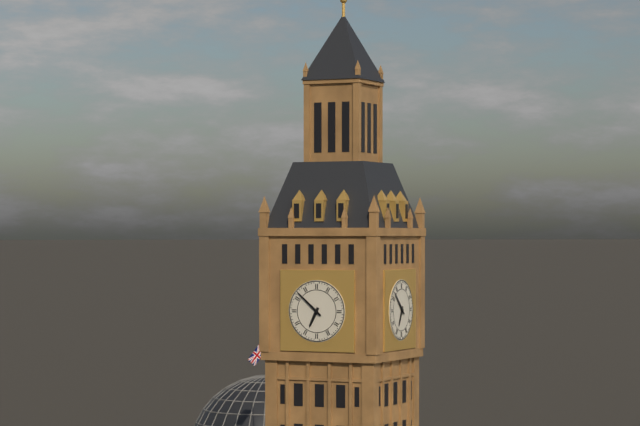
h=6 m=52
